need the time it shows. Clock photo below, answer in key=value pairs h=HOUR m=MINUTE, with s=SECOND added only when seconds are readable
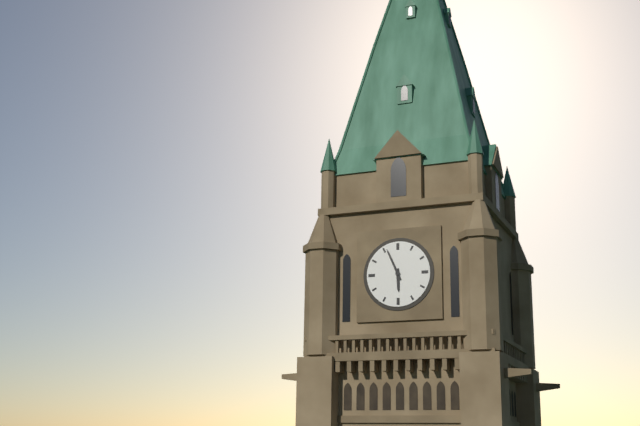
h=5 m=56
